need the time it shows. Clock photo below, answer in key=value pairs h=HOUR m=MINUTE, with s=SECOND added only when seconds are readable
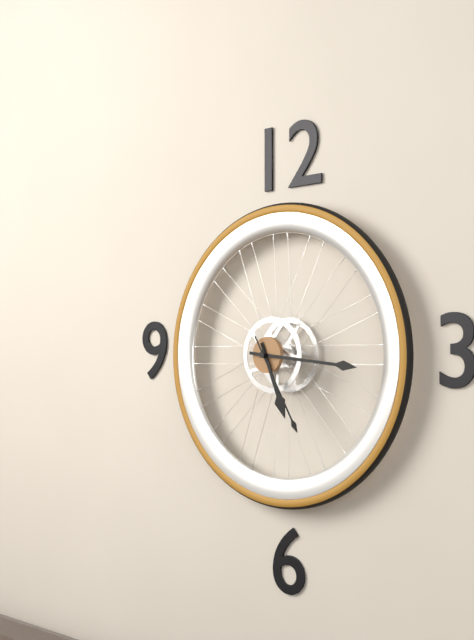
h=5 m=16 s=25
